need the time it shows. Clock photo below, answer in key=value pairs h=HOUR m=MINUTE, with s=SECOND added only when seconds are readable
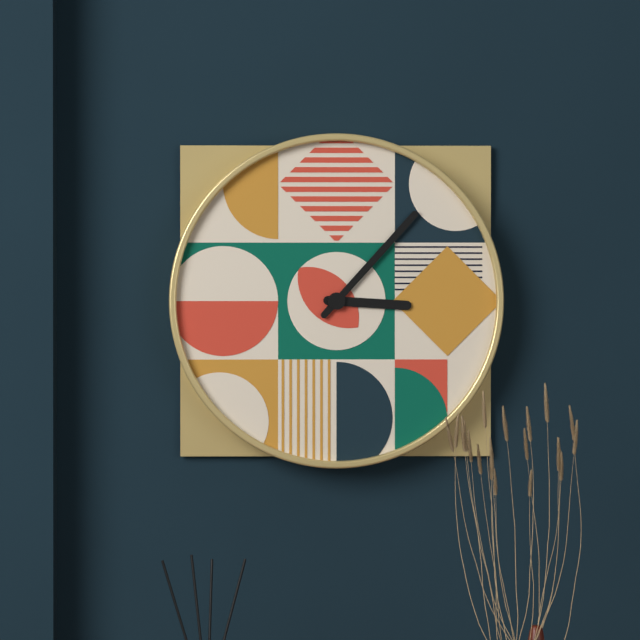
h=3 m=7
